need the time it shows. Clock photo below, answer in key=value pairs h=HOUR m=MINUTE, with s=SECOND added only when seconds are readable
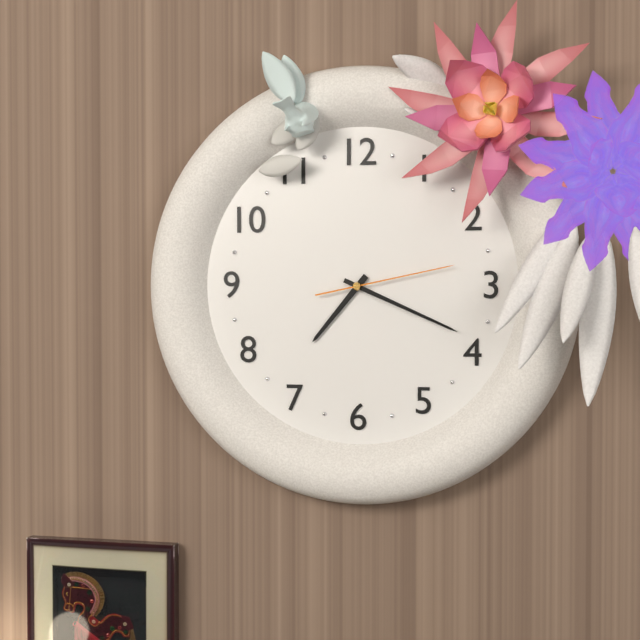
h=7 m=19 s=13
